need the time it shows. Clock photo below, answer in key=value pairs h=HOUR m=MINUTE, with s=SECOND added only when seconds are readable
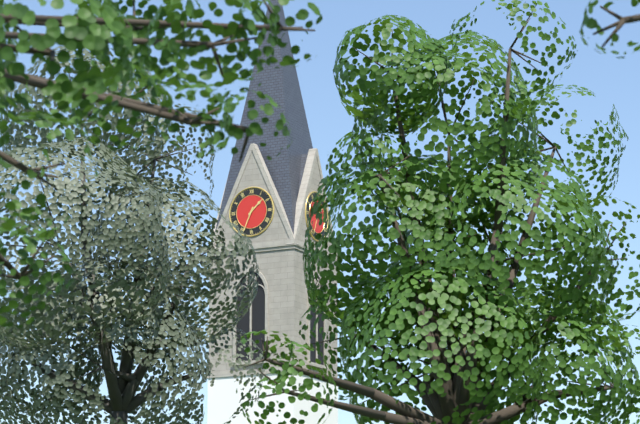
h=1 m=34
